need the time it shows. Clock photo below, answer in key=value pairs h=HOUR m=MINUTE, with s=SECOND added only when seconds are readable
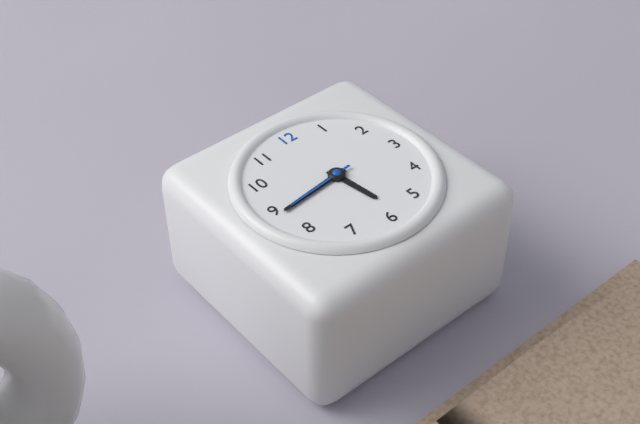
h=5 m=44 s=44
